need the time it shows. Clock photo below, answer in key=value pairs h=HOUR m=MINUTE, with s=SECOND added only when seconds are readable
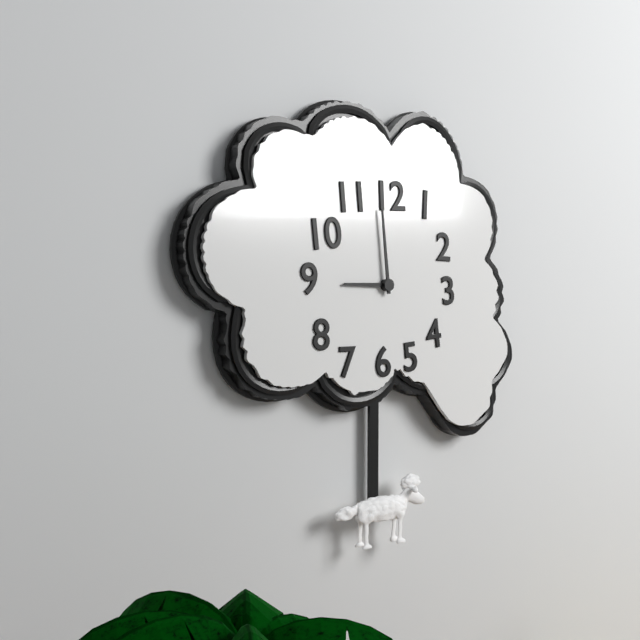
h=8 m=59
